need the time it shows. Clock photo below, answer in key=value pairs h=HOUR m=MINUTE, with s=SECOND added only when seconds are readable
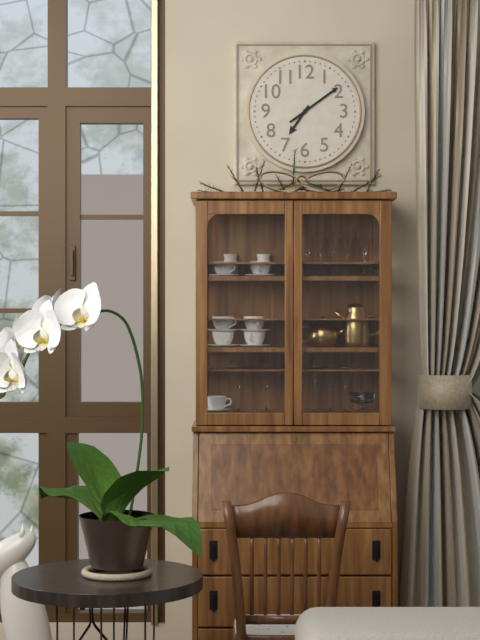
h=7 m=9
